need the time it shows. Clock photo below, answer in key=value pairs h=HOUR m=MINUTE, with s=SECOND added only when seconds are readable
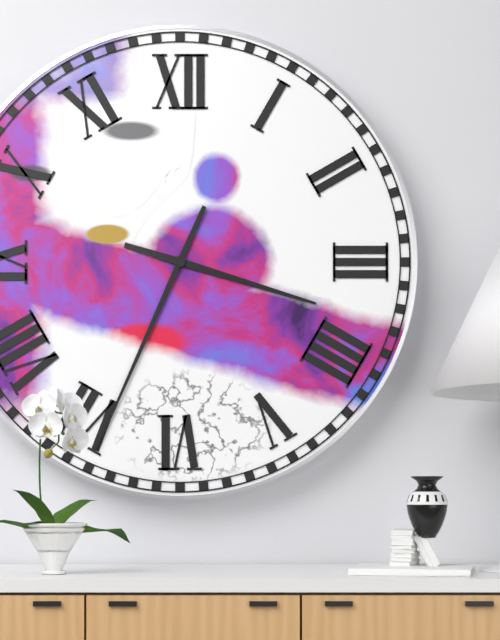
h=3 m=34
